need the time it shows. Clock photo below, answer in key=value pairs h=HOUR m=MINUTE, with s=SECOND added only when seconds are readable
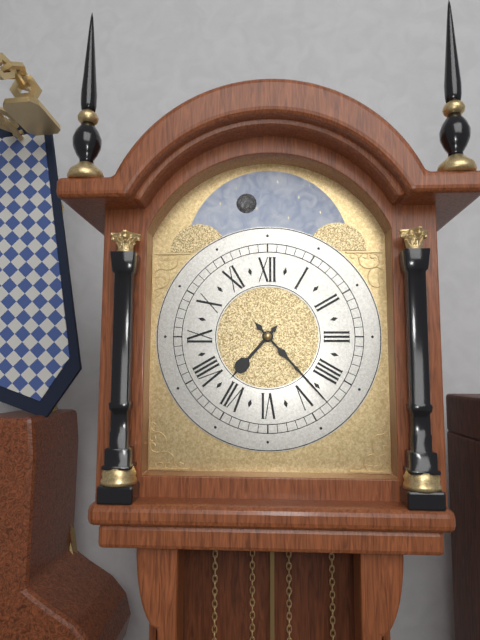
h=7 m=23
